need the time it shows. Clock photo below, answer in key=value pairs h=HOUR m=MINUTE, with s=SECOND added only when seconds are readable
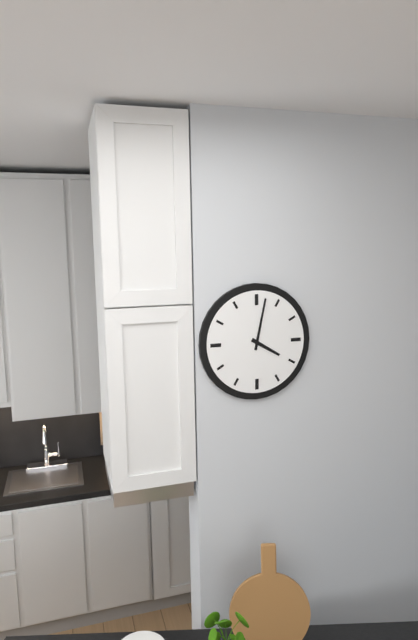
h=4 m=2
